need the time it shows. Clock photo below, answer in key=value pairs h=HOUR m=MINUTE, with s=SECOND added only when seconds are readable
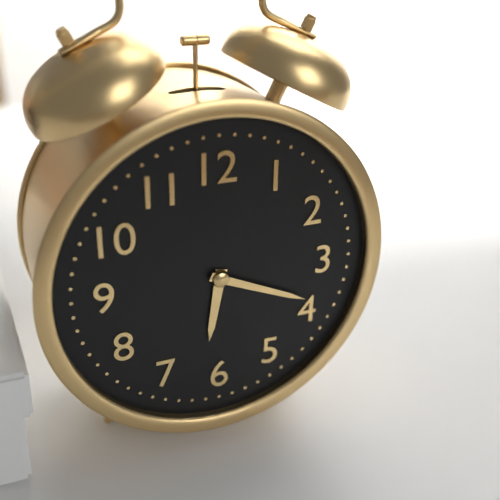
h=6 m=19
